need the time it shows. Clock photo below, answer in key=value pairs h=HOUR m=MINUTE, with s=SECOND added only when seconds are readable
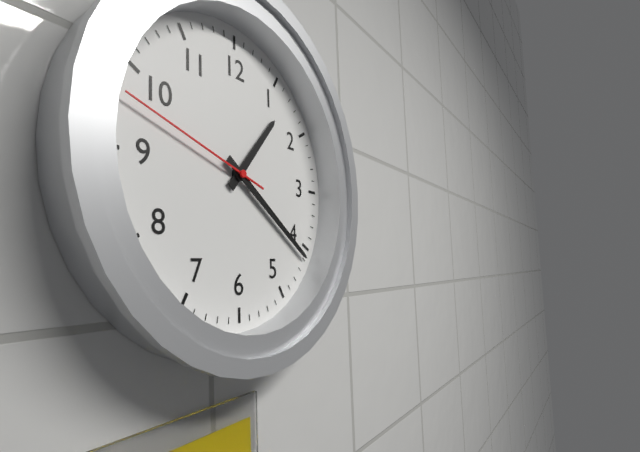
h=1 m=21 s=48
